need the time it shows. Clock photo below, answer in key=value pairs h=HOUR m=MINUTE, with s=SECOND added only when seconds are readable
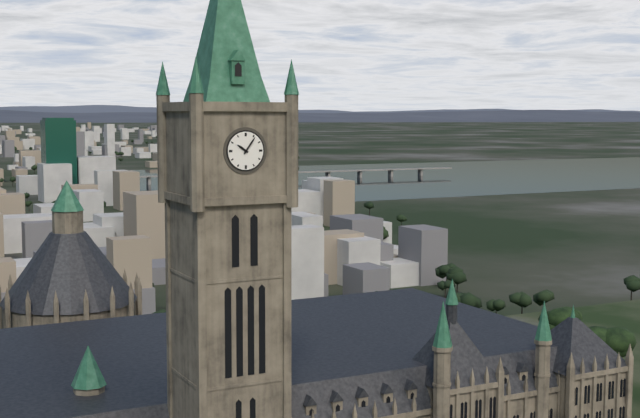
h=10 m=6
